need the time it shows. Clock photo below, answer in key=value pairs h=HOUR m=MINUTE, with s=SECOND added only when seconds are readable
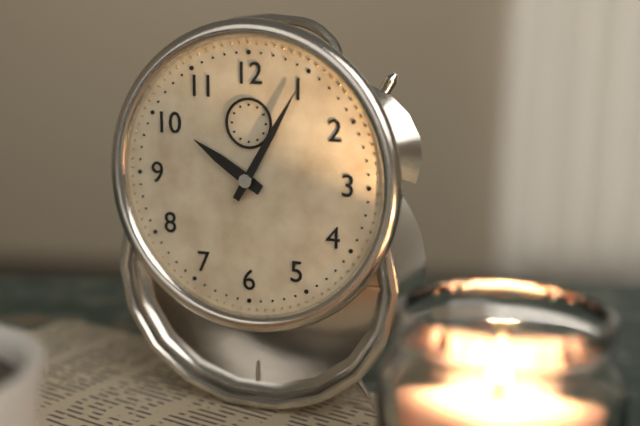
h=10 m=5
